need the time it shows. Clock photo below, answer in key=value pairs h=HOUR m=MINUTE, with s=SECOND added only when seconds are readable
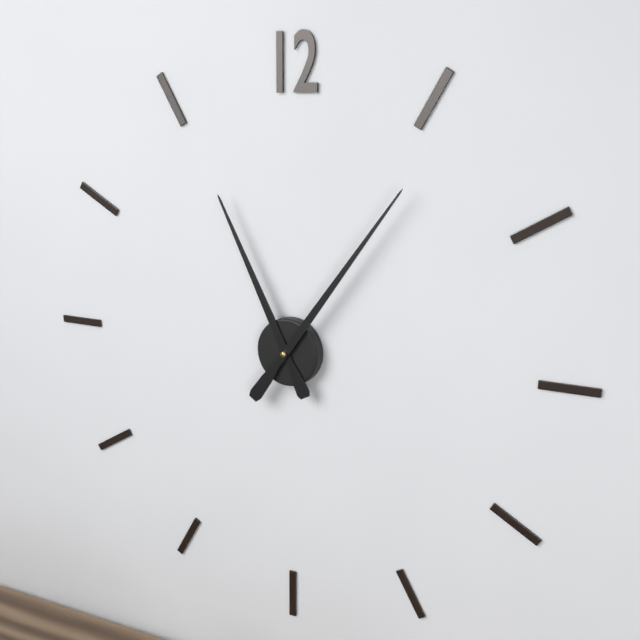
h=11 m=6
